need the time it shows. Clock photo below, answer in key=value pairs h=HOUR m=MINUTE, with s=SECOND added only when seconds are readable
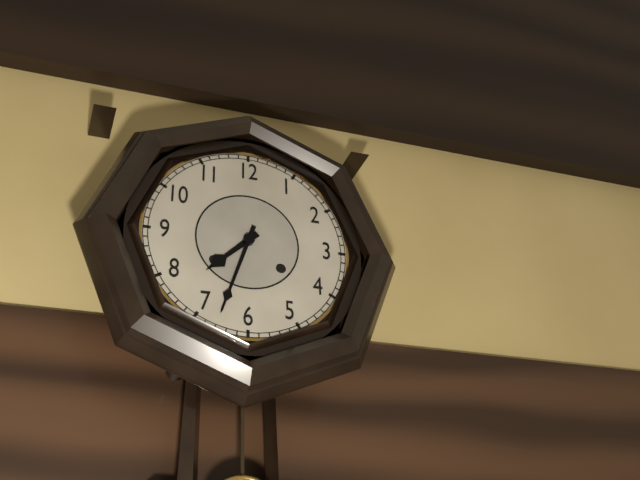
h=7 m=33
